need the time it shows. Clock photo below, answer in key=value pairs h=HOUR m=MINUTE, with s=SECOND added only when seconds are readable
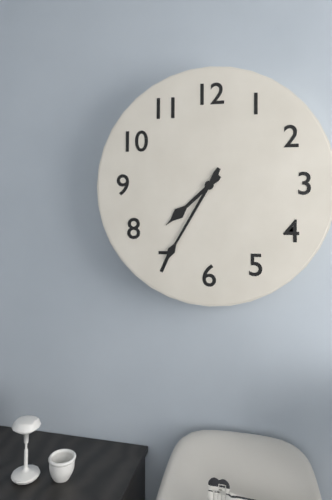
h=7 m=35
